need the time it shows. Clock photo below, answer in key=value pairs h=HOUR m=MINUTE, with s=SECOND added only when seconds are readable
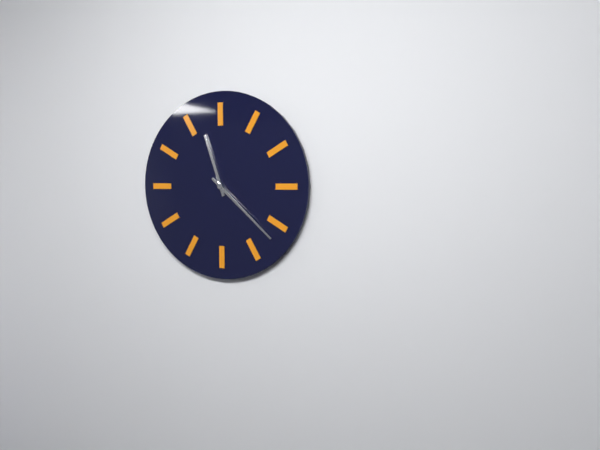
h=11 m=22
